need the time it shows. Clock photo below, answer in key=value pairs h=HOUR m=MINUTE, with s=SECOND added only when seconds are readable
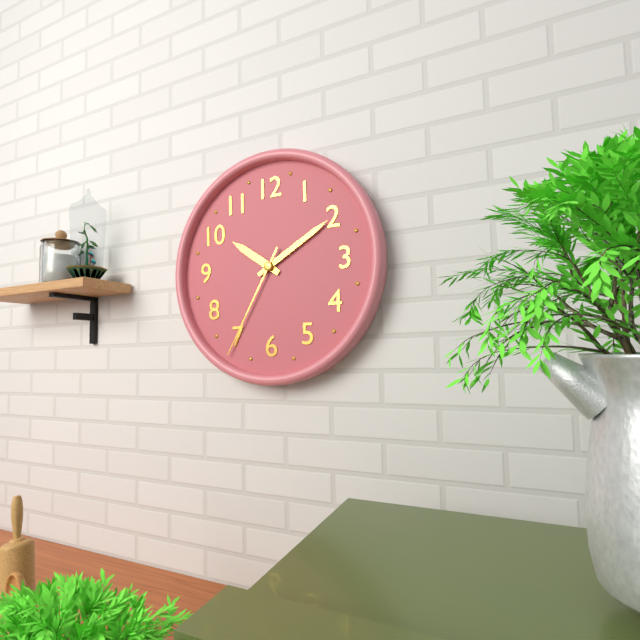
h=10 m=10 s=35
